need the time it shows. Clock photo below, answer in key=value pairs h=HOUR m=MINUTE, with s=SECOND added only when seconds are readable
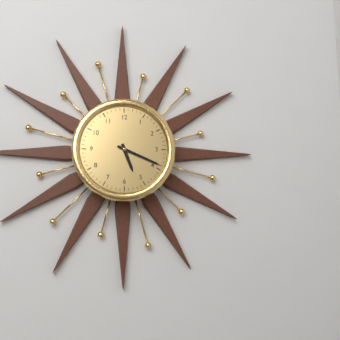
h=5 m=19
